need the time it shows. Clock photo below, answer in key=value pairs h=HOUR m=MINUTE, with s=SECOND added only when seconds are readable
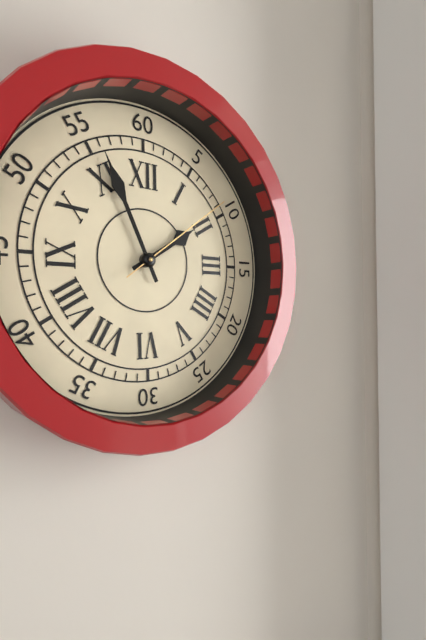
h=1 m=56 s=9
